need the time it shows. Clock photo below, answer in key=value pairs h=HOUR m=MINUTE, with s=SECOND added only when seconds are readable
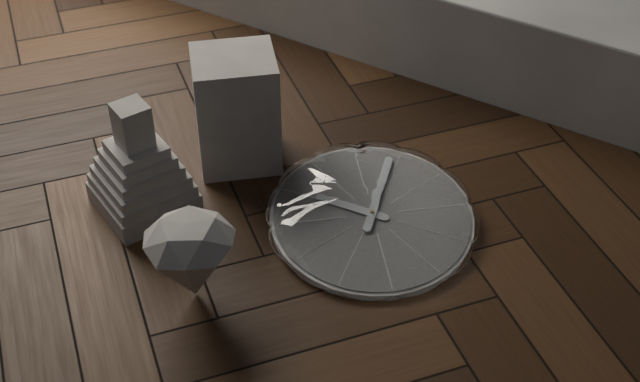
h=10 m=4
